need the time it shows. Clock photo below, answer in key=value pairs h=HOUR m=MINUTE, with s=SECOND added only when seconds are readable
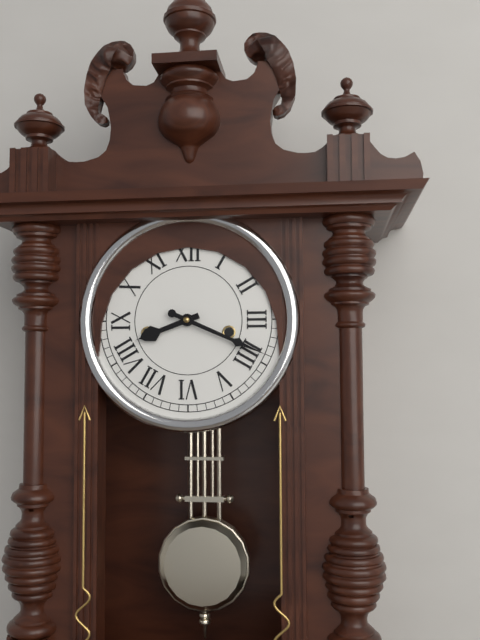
h=8 m=19
